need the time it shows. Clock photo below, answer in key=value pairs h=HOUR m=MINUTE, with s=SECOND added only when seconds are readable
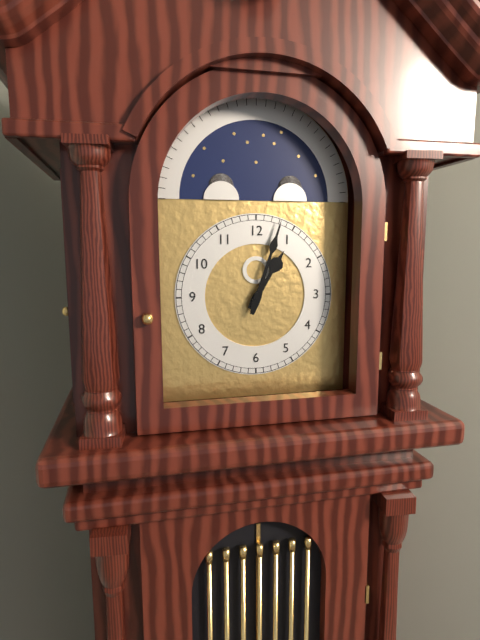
h=1 m=3
